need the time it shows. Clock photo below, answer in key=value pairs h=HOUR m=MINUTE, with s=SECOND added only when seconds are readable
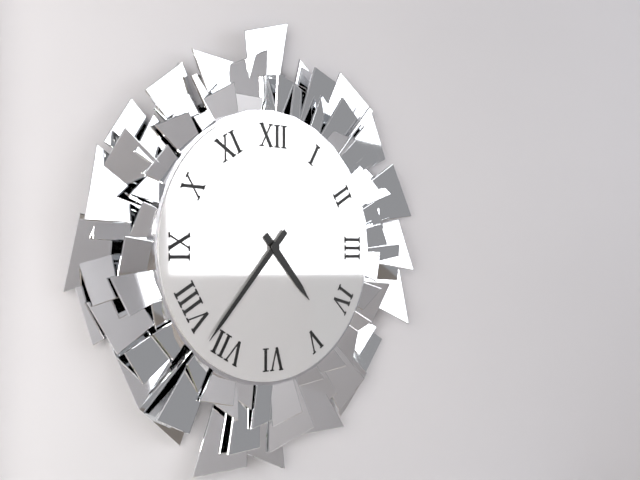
h=4 m=37
